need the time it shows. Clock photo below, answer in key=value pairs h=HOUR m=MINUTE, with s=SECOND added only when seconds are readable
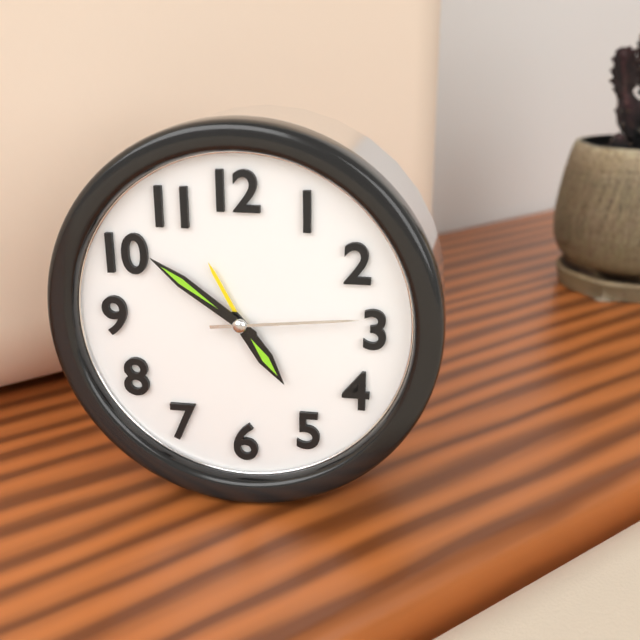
h=4 m=51 s=14
